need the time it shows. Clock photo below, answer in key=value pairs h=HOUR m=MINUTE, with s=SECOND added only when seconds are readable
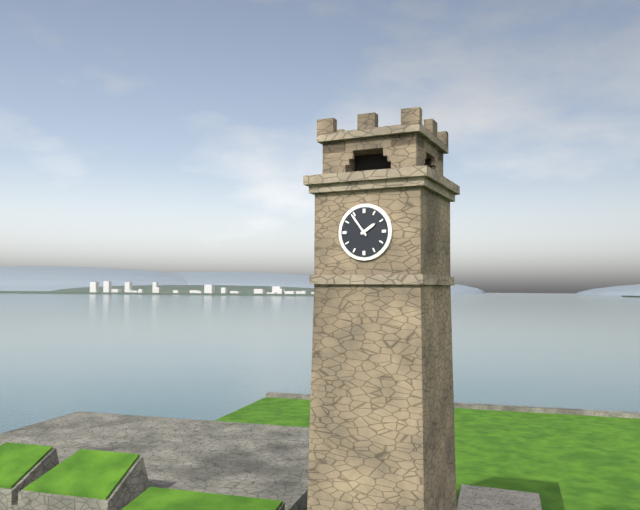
h=1 m=54
